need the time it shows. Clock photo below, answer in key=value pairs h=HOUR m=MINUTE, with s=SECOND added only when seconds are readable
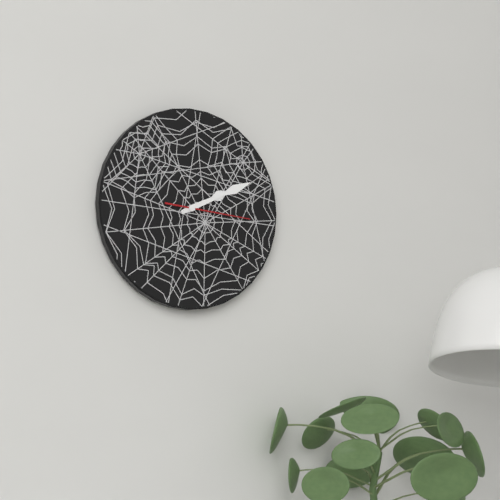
h=2 m=11 s=16
